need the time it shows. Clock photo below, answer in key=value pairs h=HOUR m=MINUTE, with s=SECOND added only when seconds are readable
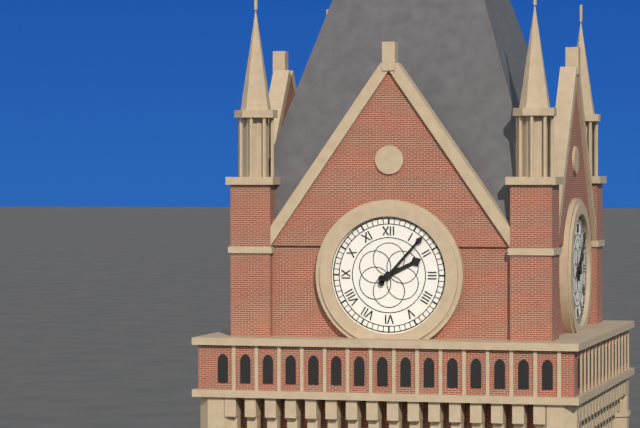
h=2 m=7
